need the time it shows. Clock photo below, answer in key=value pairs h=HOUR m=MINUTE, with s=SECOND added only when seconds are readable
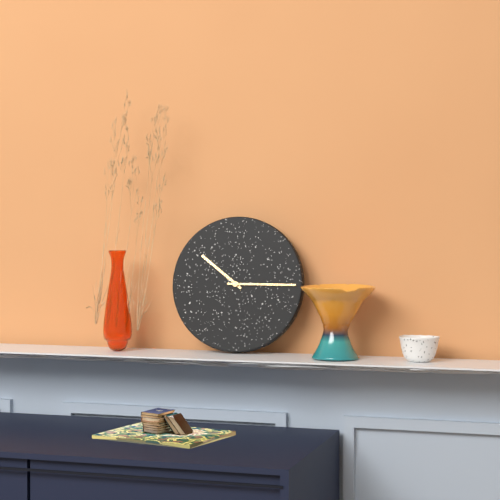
h=10 m=15
